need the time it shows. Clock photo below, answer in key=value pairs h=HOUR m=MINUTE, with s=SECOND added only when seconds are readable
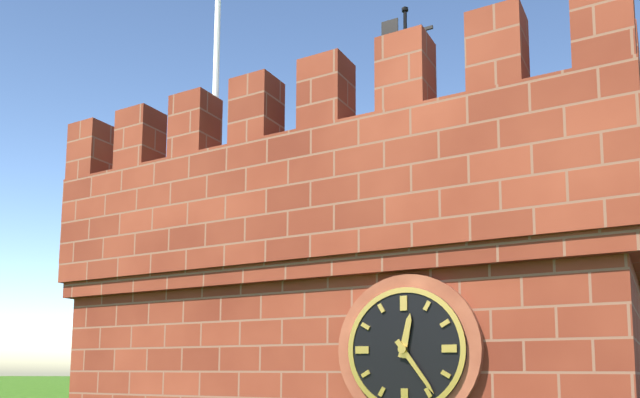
h=12 m=24
